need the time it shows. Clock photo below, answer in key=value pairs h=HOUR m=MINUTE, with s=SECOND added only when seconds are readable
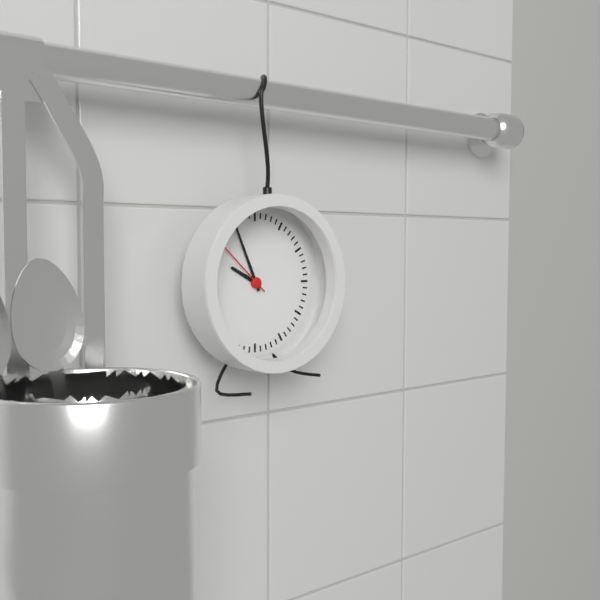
h=9 m=56 s=52
